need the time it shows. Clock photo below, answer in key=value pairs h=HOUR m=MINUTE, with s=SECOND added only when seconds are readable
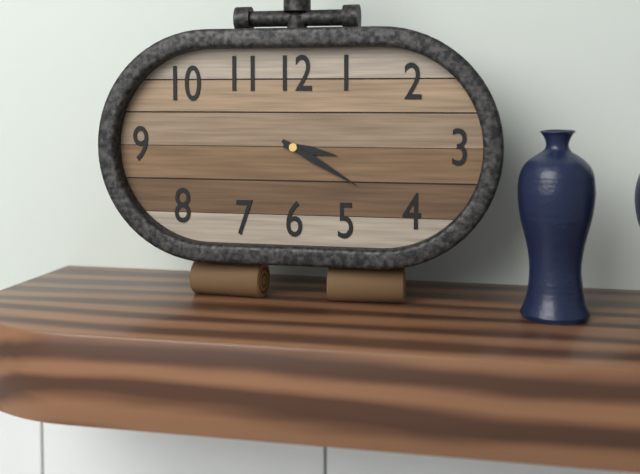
h=3 m=20
